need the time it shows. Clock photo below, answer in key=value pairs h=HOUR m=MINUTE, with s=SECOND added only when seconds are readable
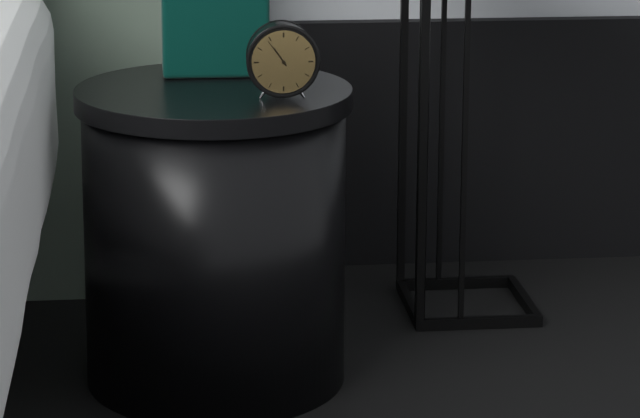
h=10 m=54
